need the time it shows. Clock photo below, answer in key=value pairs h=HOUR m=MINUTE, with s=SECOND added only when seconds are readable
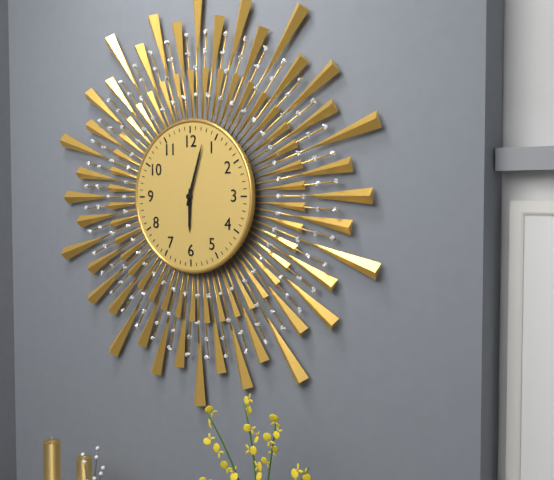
h=6 m=3
